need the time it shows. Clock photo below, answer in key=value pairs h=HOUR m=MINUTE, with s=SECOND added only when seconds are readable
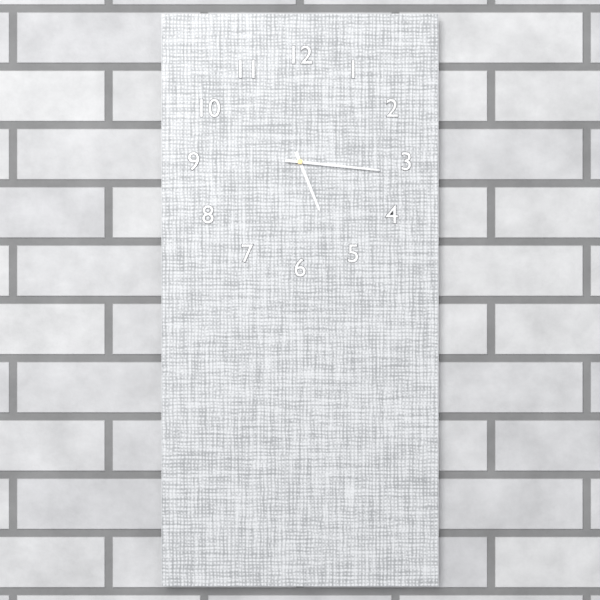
h=5 m=16
